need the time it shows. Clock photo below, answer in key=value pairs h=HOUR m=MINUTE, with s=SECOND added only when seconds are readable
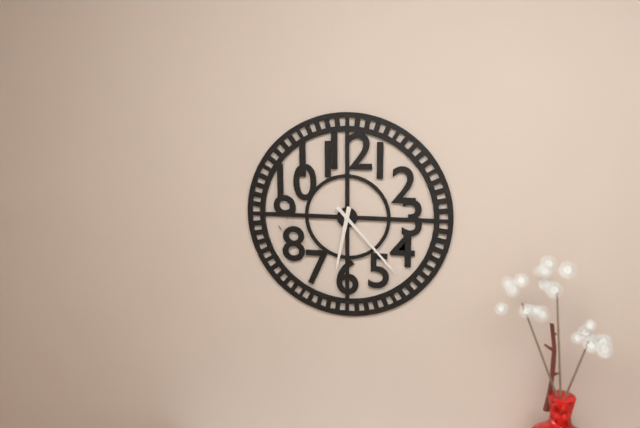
h=6 m=23
